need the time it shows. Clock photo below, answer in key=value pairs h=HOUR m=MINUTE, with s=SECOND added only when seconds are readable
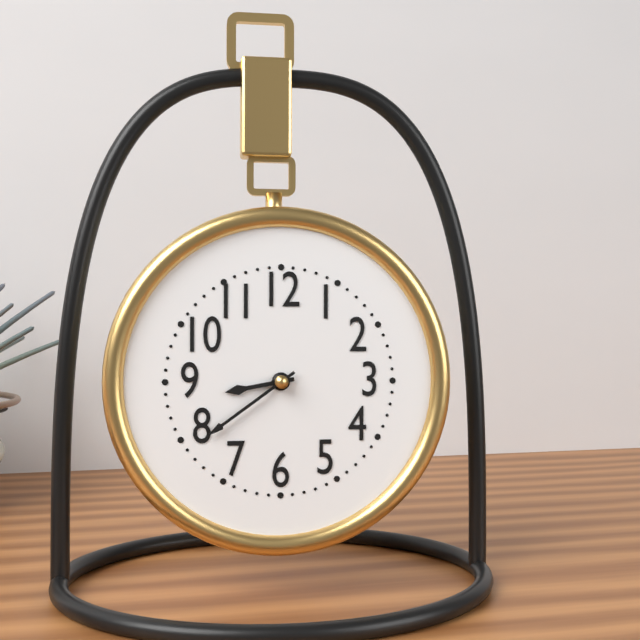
h=8 m=39
